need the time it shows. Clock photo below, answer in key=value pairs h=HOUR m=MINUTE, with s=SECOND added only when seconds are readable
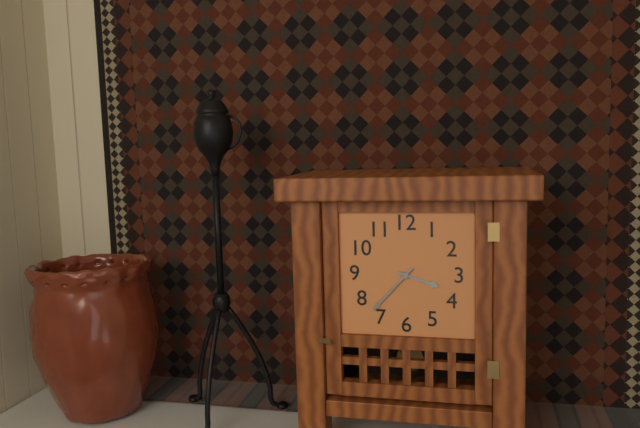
h=3 m=37
